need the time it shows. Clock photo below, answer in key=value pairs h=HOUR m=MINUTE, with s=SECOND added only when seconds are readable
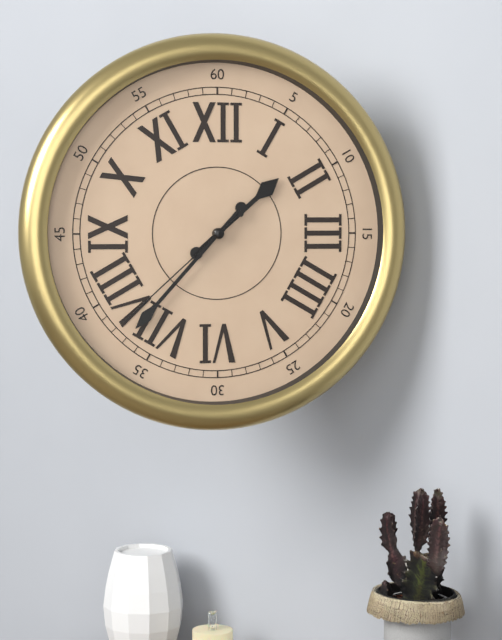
h=1 m=37 s=38
